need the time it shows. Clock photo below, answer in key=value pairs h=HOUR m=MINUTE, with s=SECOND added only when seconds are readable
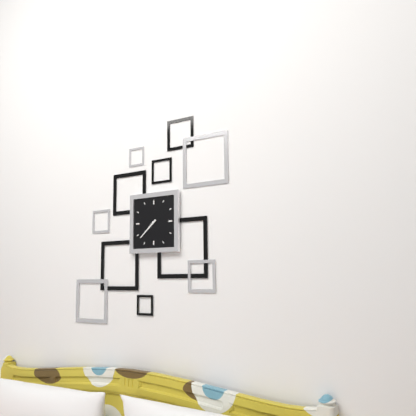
h=7 m=38
